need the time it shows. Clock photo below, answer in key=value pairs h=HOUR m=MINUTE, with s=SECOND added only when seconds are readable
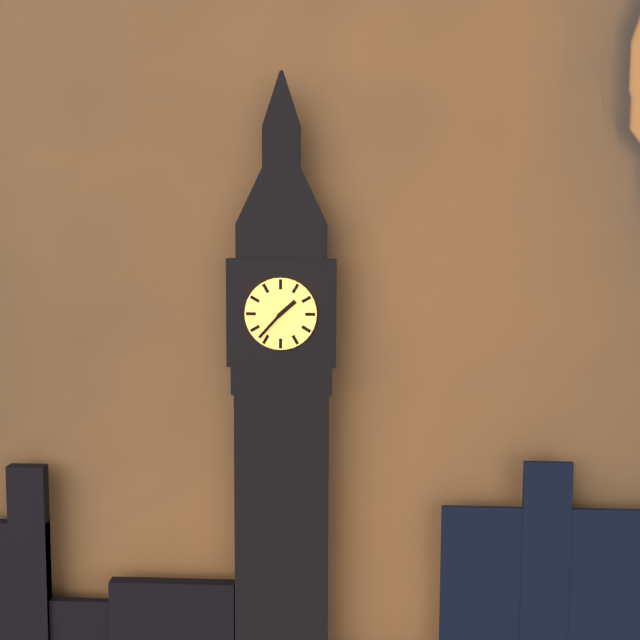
h=1 m=37
